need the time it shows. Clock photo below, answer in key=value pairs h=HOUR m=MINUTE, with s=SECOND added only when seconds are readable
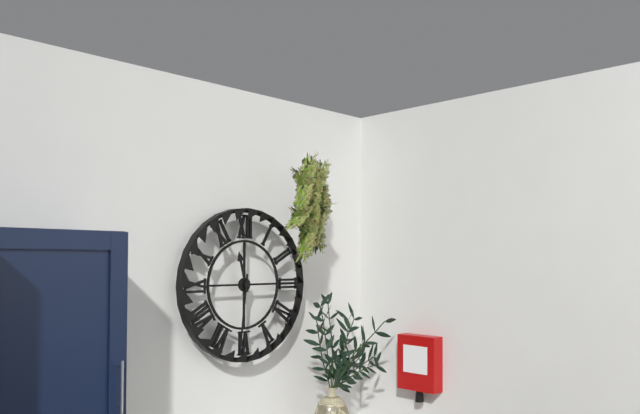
h=11 m=31
